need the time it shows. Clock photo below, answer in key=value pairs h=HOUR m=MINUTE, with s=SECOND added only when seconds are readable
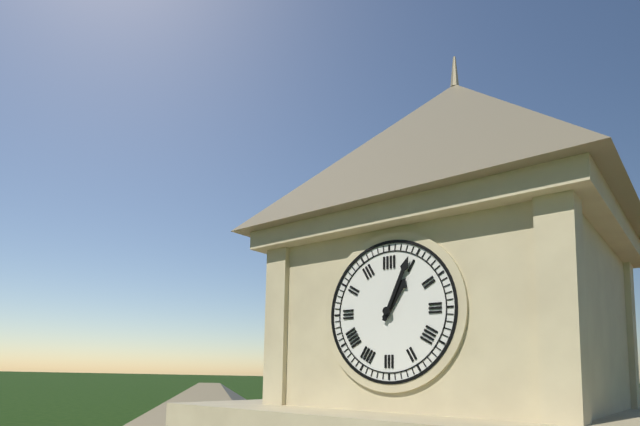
h=1 m=4
